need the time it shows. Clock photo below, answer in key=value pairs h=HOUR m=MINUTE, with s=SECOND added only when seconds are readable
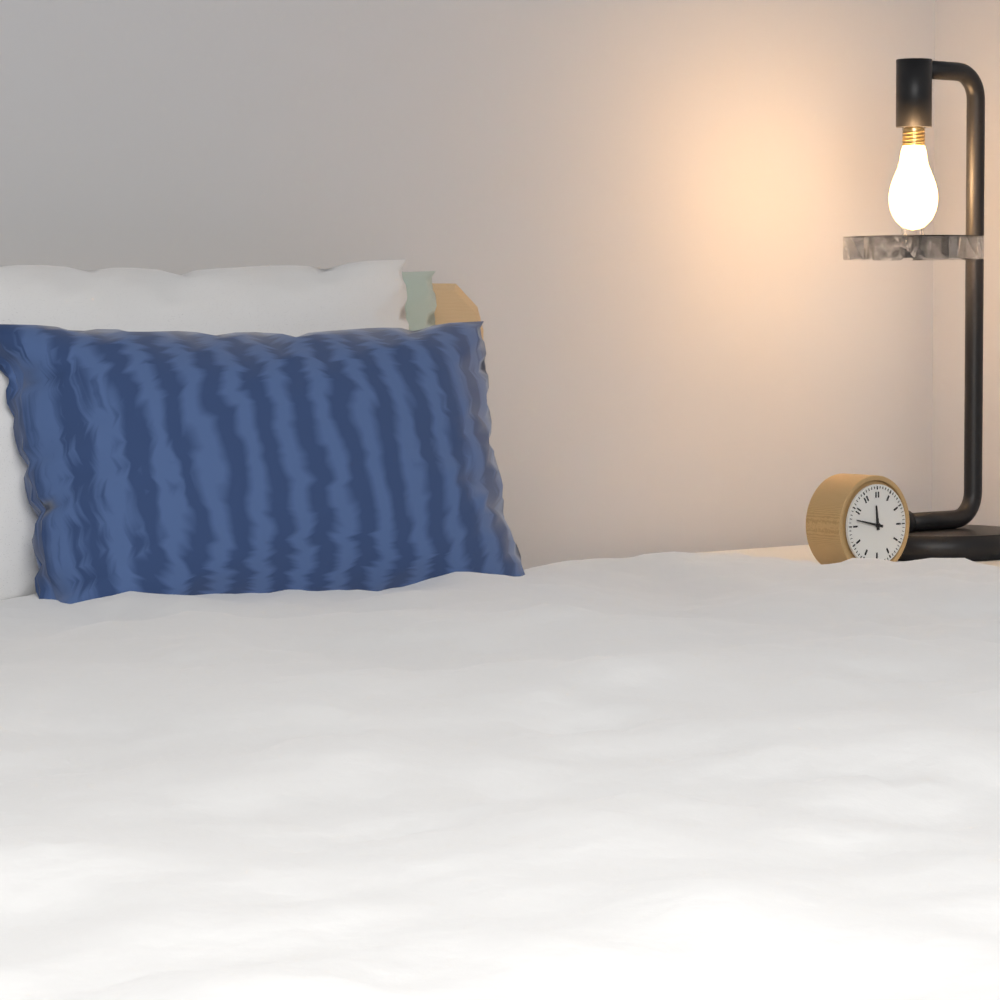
h=11 m=47
